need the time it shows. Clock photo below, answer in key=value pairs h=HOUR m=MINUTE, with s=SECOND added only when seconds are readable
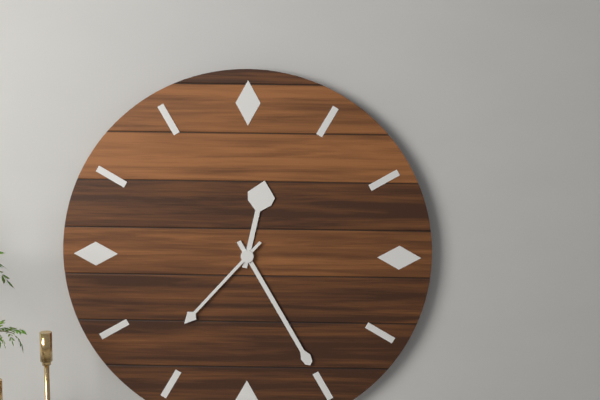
h=12 m=25 s=37
